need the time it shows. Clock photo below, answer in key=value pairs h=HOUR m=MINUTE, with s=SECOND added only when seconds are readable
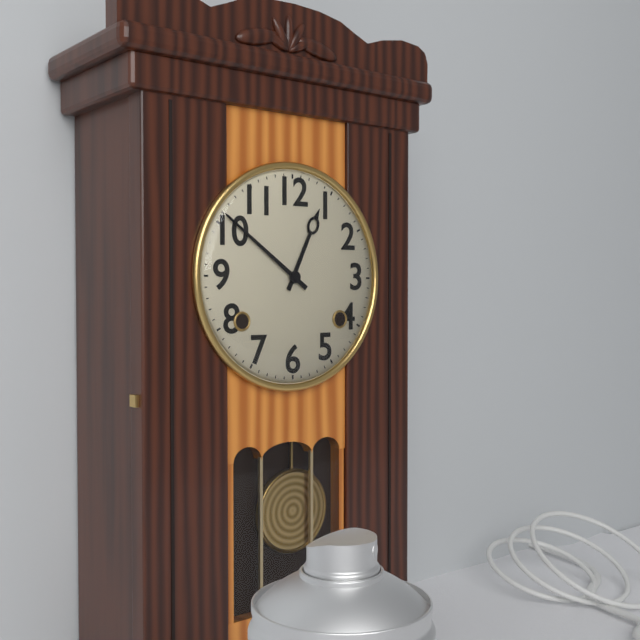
h=12 m=51
